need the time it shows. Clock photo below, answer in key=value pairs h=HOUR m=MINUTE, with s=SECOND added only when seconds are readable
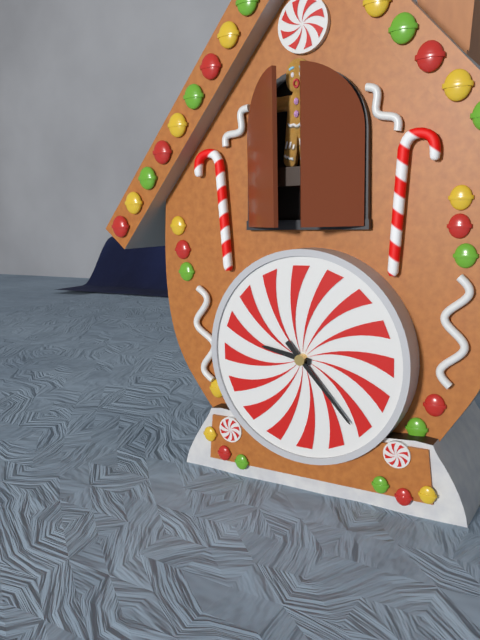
h=9 m=23
